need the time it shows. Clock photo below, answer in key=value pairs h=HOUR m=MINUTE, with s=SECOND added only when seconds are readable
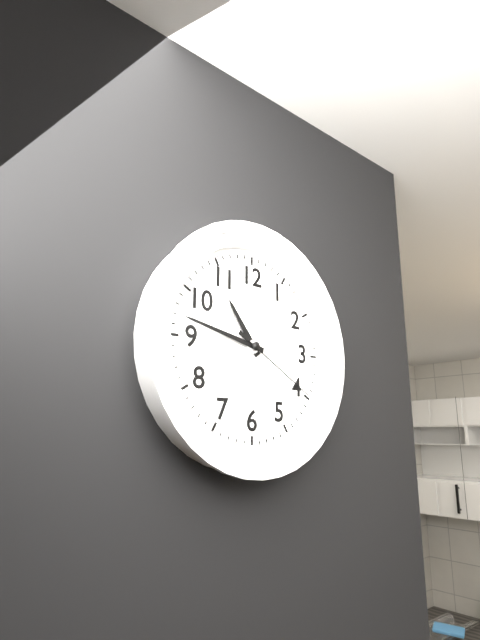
h=10 m=47 s=20
